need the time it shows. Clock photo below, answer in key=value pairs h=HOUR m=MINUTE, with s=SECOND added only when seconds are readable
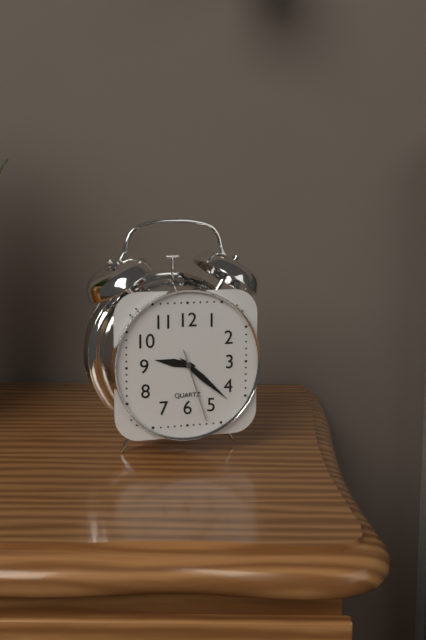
h=9 m=22 s=27
